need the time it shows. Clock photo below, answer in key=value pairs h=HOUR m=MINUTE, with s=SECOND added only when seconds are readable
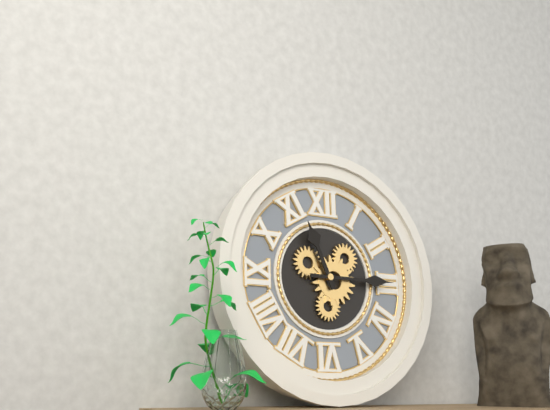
h=11 m=15
